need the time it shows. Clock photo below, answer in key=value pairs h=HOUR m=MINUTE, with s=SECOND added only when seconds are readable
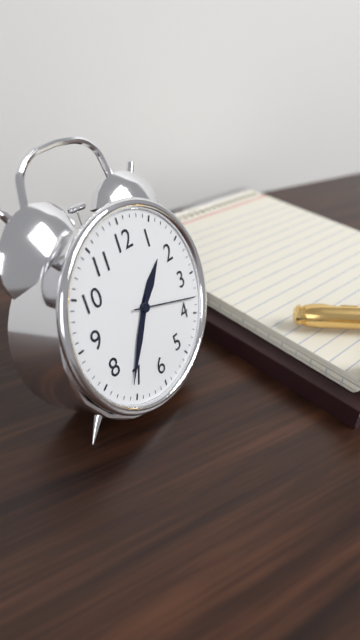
h=1 m=36 s=18
